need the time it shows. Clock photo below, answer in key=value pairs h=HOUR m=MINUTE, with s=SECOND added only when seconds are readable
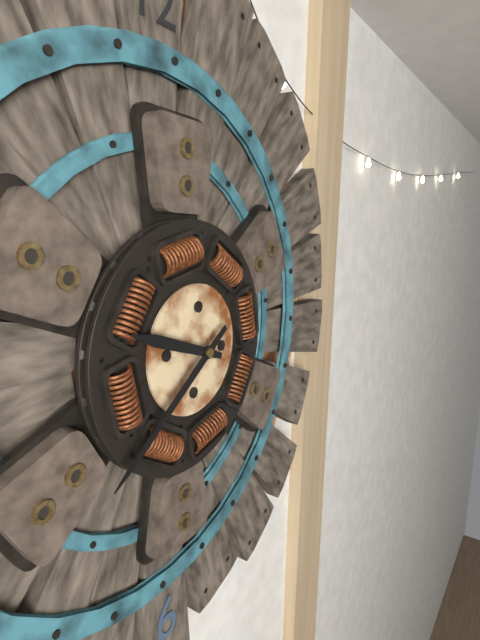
h=9 m=39
